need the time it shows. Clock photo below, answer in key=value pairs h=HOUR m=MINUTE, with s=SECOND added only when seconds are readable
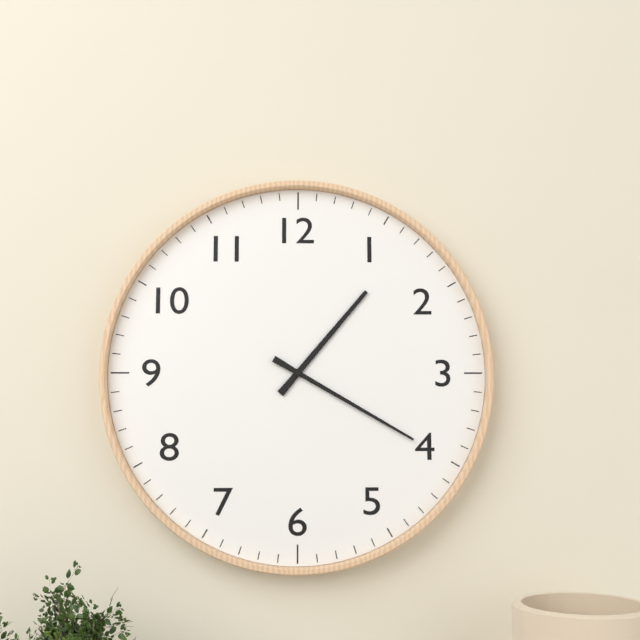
h=1 m=20
